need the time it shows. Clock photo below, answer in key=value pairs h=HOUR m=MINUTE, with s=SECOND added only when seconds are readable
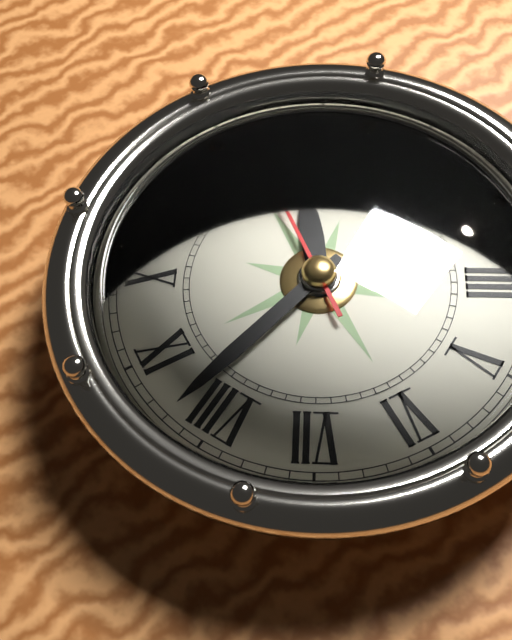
h=12 m=42 s=1
